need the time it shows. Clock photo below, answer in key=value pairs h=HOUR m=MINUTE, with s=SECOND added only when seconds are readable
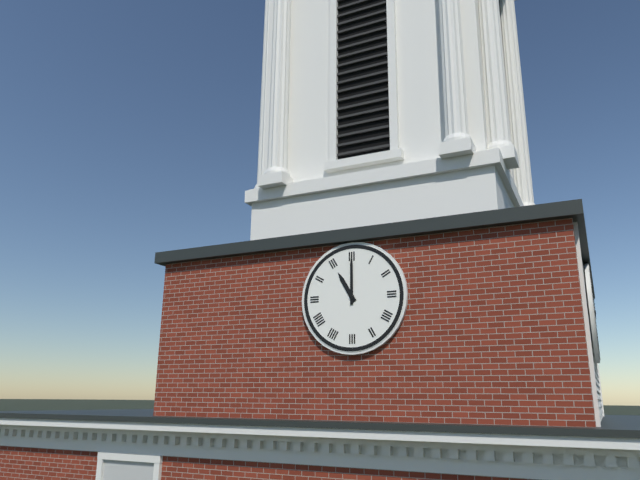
h=11 m=0
